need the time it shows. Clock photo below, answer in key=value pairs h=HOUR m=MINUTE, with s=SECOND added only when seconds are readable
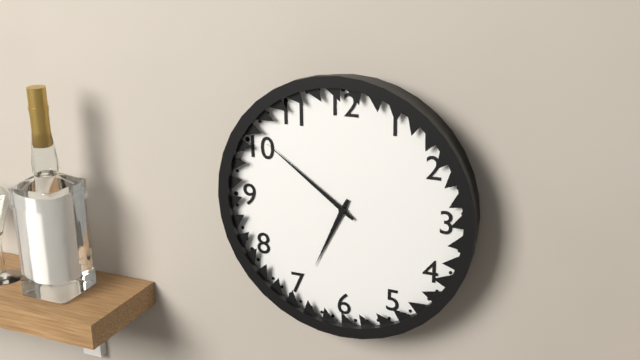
h=6 m=51
